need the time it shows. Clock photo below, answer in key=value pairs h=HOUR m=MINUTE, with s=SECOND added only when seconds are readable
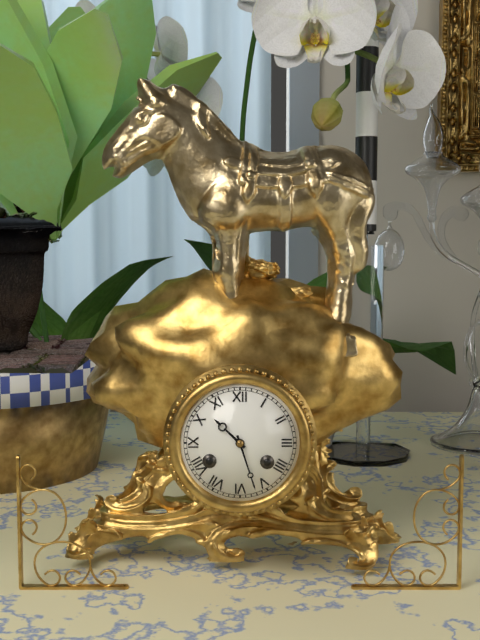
h=10 m=27
